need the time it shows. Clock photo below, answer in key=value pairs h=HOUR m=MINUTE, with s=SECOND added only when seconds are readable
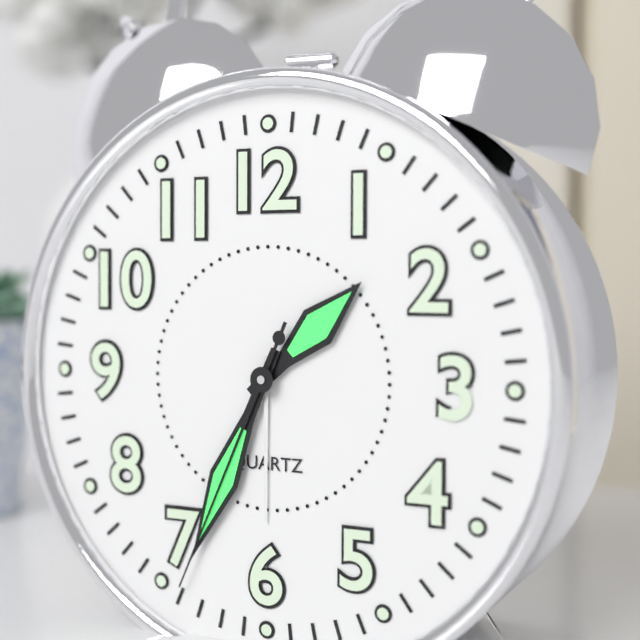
h=1 m=34 s=34
